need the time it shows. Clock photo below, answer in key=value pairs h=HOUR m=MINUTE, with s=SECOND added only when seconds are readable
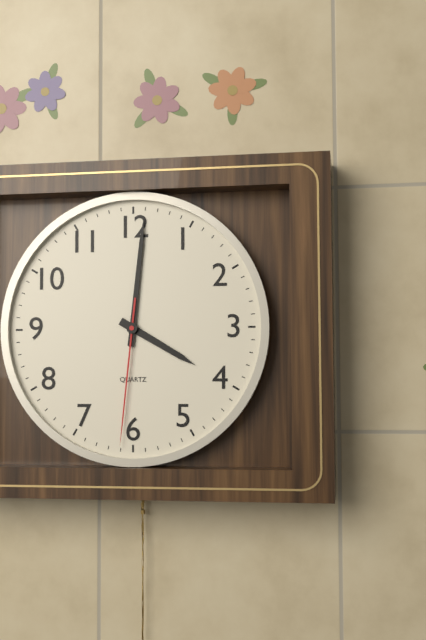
h=4 m=1 s=31
